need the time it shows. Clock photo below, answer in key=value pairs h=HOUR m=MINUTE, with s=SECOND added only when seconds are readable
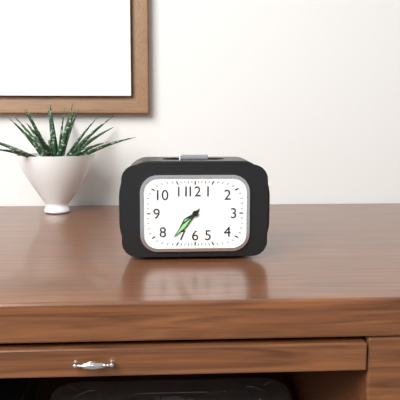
h=7 m=37
